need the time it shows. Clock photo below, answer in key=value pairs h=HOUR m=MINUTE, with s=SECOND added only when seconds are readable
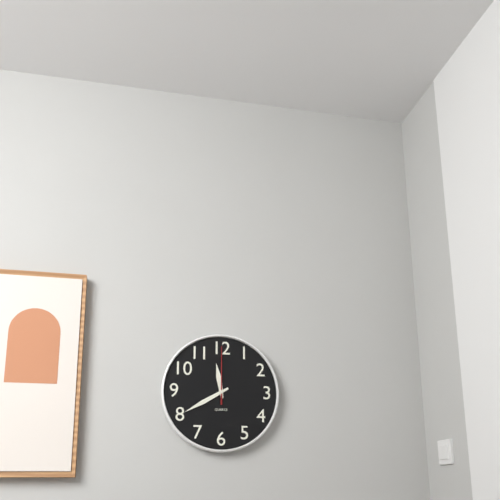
h=11 m=40 s=0
